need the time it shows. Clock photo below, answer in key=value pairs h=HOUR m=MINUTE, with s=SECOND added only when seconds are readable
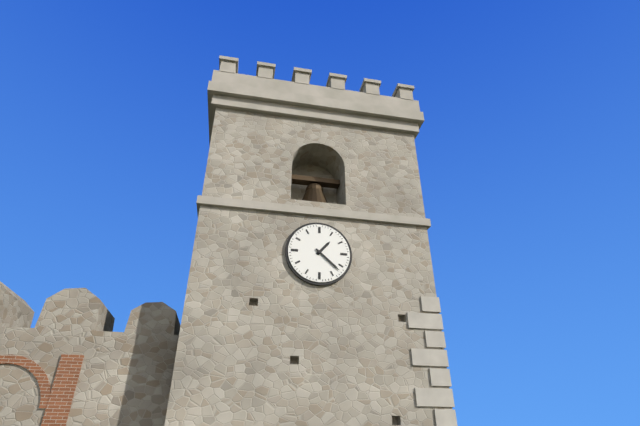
h=1 m=22
